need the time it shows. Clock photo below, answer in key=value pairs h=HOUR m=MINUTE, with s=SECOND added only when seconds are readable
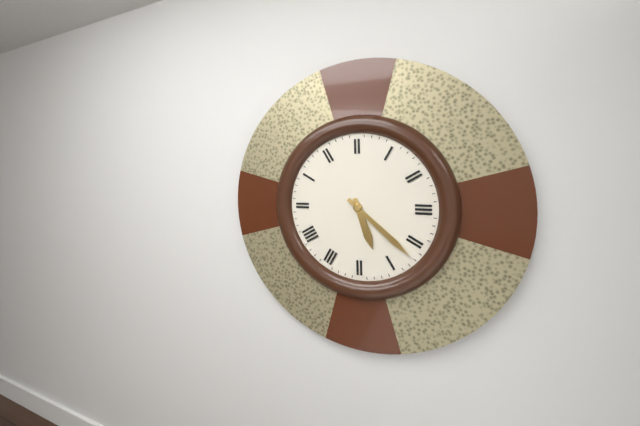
h=5 m=22
